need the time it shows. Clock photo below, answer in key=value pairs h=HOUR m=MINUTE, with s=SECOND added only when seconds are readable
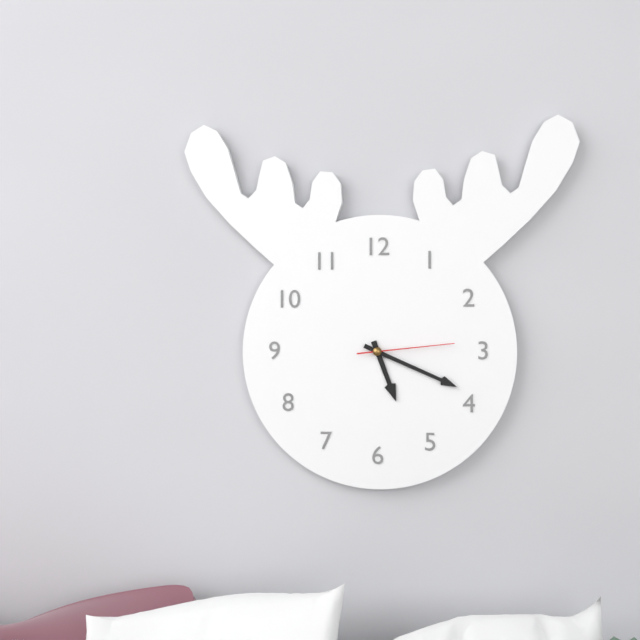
h=5 m=19 s=14
